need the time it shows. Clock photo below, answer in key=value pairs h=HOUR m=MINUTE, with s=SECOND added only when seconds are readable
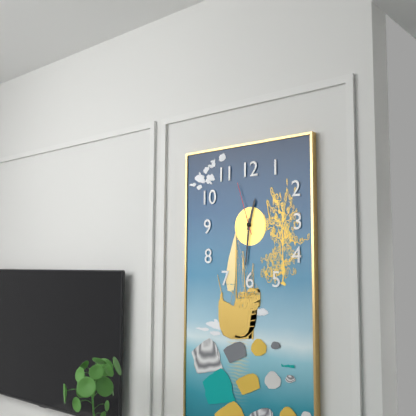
h=12 m=31 s=57
